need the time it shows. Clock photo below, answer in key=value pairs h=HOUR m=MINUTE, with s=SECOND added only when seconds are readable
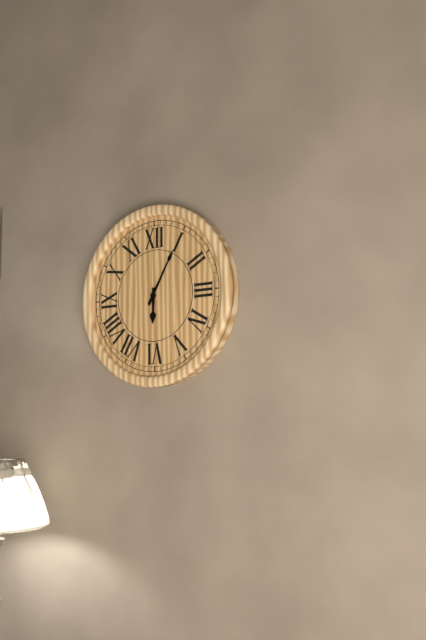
h=6 m=5
